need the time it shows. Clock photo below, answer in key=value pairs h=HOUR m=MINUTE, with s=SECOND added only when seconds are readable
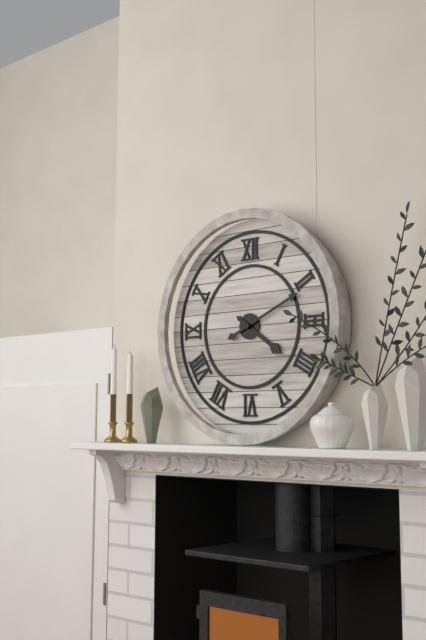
h=4 m=11
